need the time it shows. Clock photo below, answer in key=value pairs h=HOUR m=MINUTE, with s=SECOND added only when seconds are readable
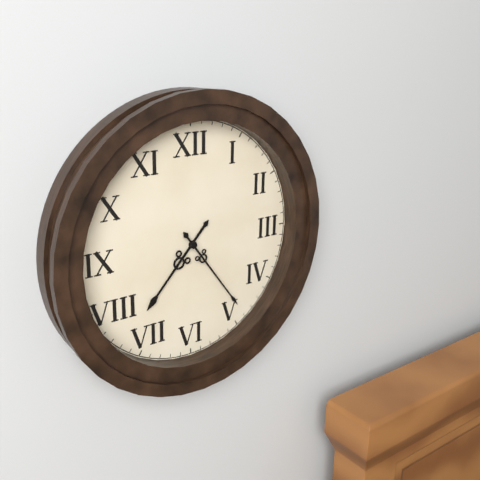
h=7 m=24
